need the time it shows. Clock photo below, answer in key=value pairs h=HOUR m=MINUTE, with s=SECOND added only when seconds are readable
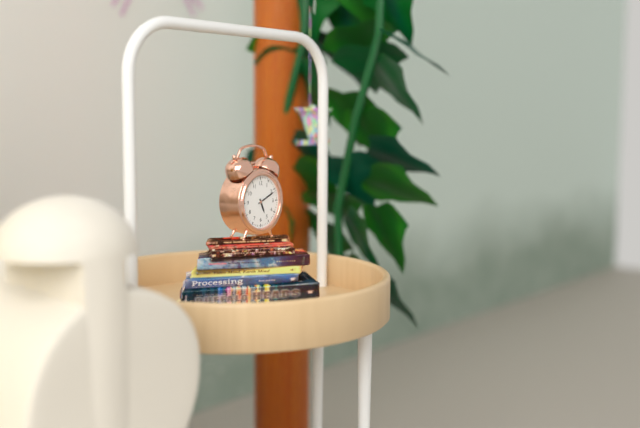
h=5 m=11
